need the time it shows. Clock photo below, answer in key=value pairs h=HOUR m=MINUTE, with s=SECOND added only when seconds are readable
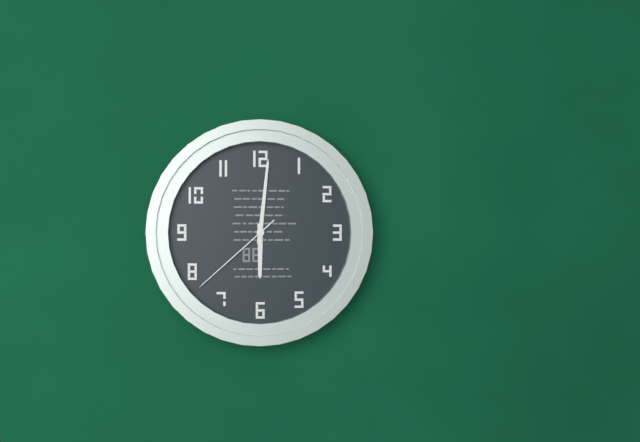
h=6 m=1 s=38
